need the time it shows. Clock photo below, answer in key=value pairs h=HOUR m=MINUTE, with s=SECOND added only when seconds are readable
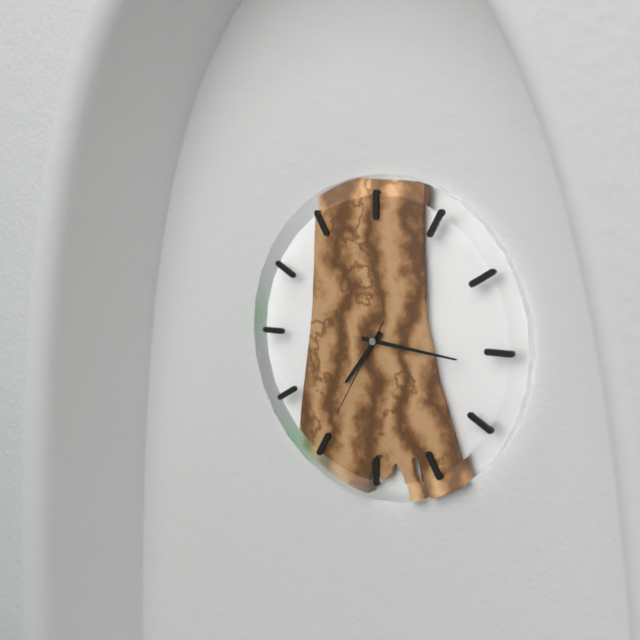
h=7 m=16 s=35
